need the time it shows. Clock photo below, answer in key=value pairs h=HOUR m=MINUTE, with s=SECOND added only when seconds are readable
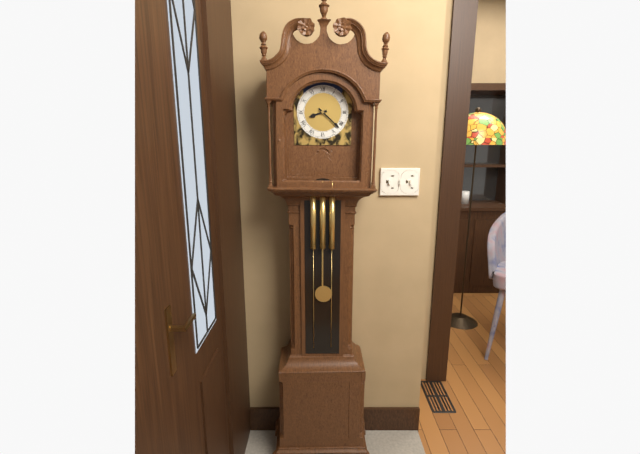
h=8 m=22
